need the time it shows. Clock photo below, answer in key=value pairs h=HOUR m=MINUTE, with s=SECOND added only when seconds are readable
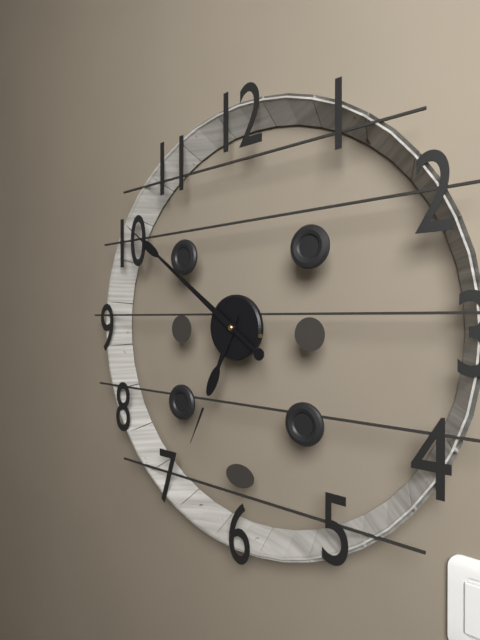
h=6 m=51
